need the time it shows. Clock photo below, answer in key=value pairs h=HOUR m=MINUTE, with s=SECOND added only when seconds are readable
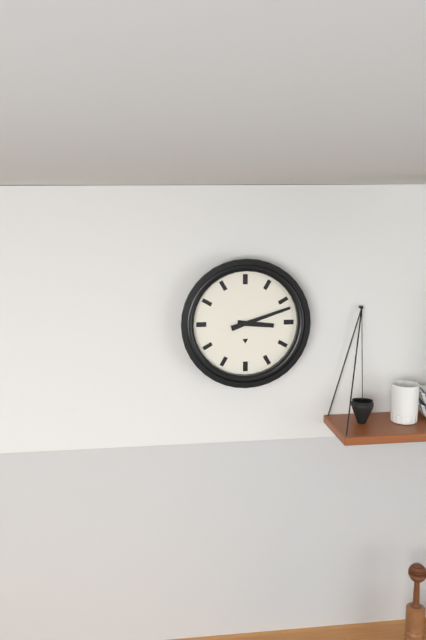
h=3 m=12
